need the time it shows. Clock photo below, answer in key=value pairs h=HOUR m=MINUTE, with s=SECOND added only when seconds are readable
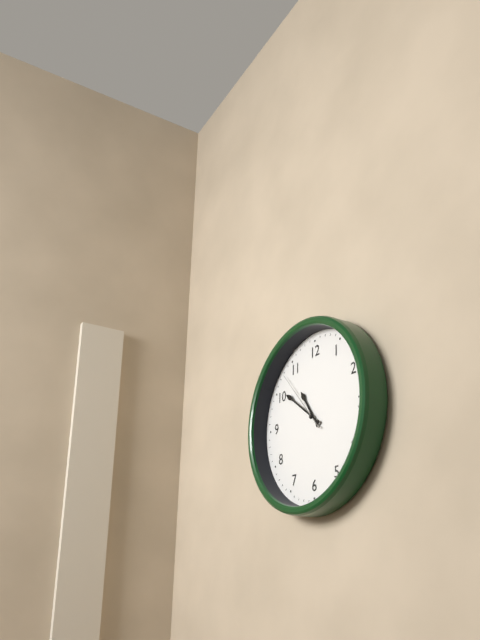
h=10 m=51 s=53
